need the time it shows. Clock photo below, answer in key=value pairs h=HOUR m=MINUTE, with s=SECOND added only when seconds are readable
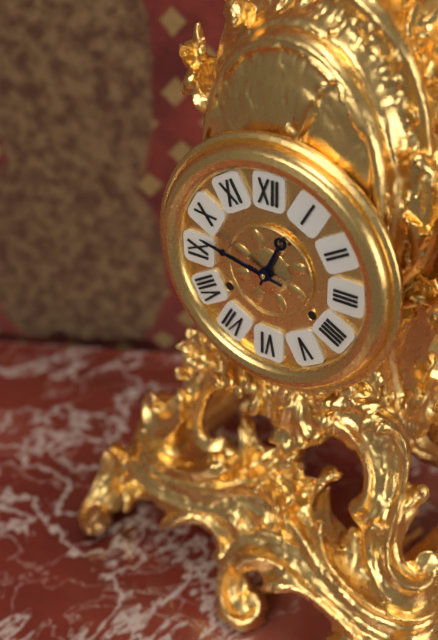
h=12 m=47
